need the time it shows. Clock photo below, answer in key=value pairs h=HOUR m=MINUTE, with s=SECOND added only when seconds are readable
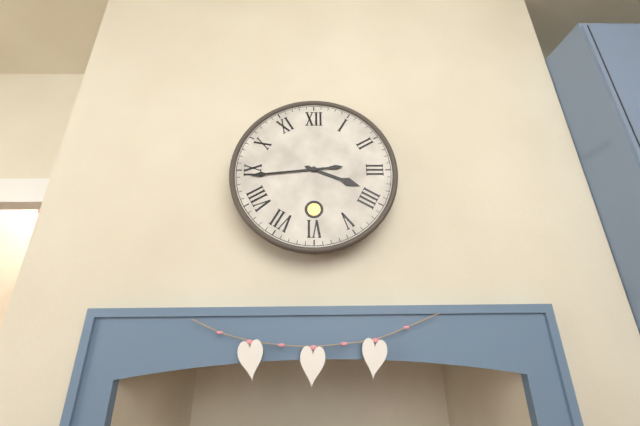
h=3 m=44
